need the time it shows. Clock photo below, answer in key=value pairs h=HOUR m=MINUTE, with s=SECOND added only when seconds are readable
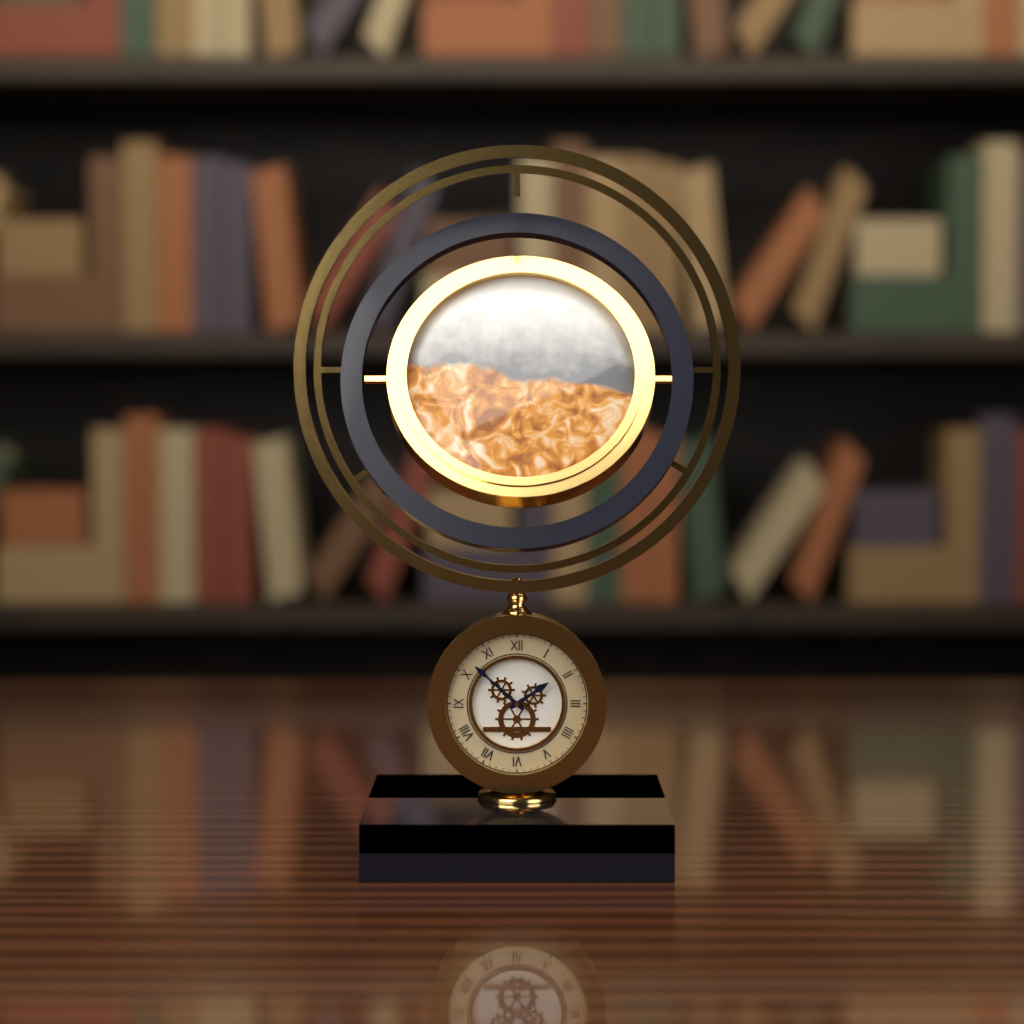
h=1 m=52
